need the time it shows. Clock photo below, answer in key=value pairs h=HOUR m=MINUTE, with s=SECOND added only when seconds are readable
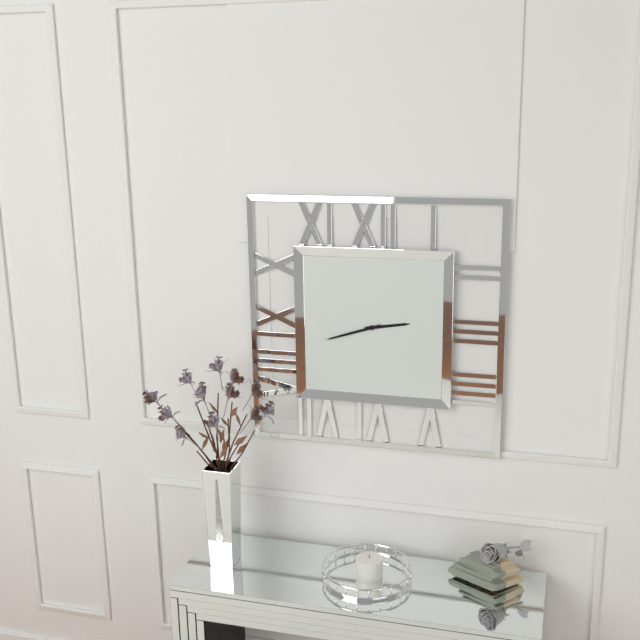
h=2 m=42
